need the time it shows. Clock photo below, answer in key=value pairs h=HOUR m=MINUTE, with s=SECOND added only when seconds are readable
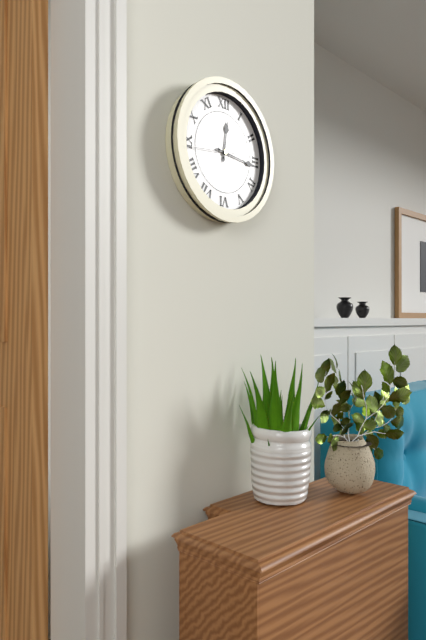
h=12 m=16 s=44
